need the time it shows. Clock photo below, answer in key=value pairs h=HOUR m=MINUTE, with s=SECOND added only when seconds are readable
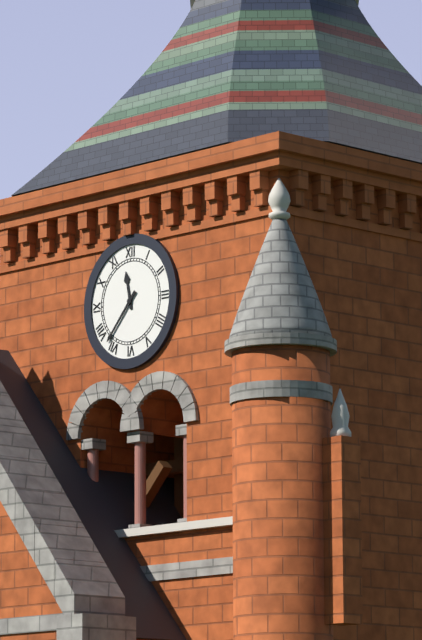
h=11 m=37
